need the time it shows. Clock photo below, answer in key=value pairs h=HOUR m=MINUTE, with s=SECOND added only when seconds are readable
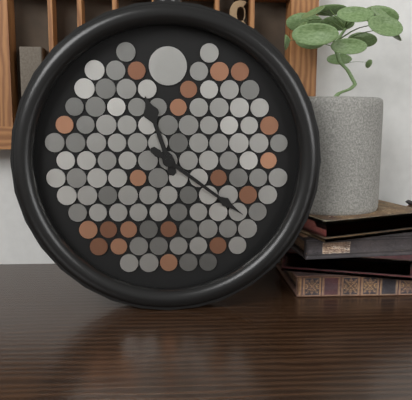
h=11 m=21
